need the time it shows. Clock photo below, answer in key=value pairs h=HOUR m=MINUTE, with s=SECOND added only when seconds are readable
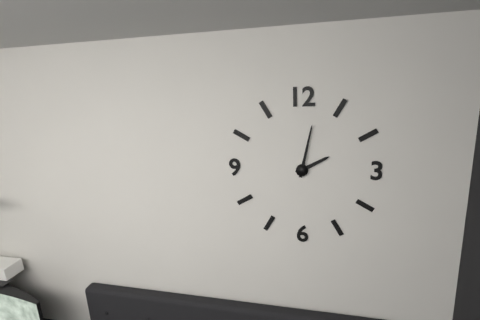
h=2 m=2
